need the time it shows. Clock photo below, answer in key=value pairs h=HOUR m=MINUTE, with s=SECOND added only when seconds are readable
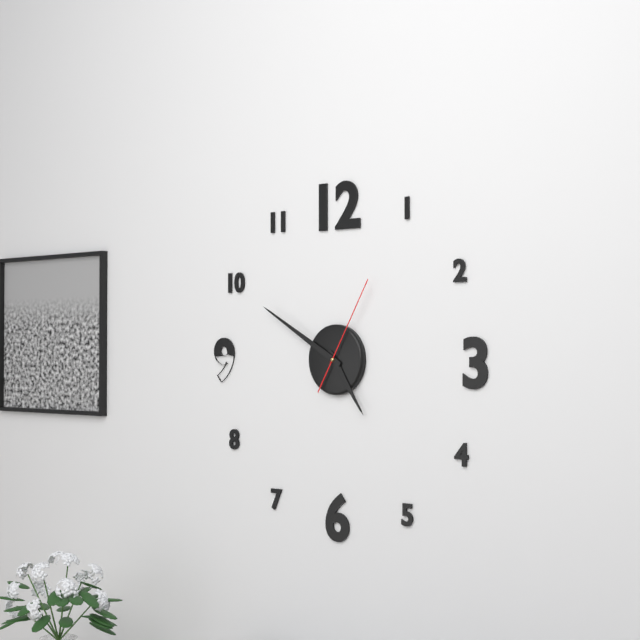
h=4 m=50 s=5
